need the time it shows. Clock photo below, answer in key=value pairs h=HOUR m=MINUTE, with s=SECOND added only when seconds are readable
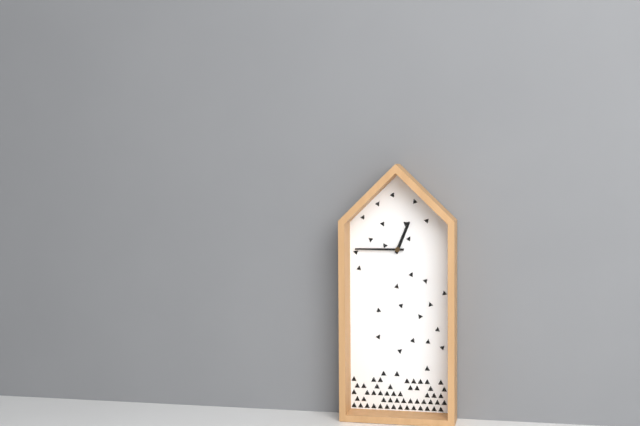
h=12 m=45
